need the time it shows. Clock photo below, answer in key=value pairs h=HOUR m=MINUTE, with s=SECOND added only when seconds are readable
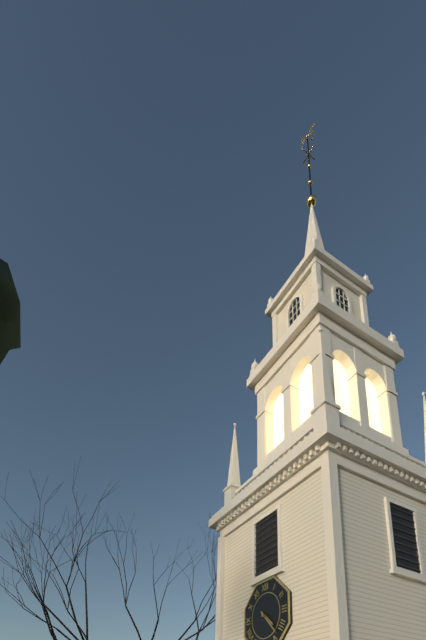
h=4 m=23
